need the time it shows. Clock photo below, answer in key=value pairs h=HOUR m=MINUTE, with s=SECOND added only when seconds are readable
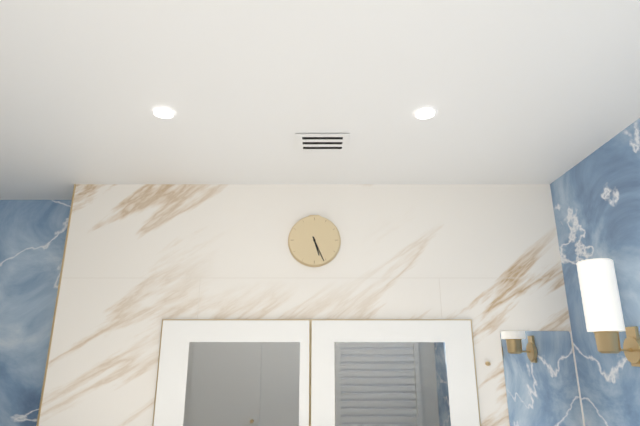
h=5 m=26
